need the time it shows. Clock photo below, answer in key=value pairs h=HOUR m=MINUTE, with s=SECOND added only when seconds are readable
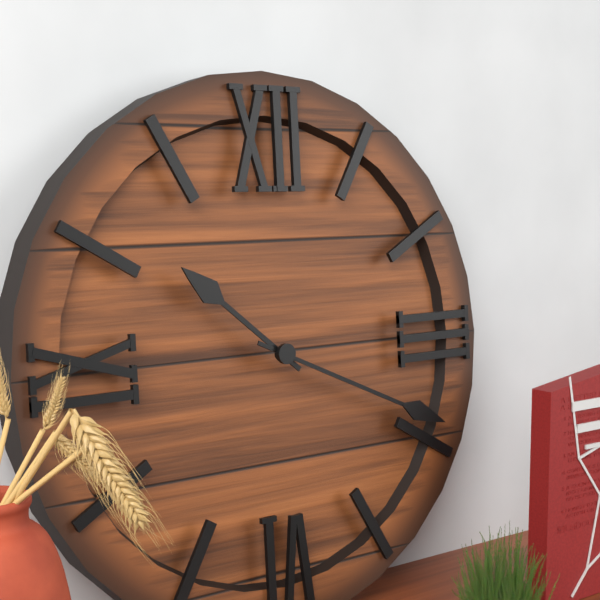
h=10 m=19
